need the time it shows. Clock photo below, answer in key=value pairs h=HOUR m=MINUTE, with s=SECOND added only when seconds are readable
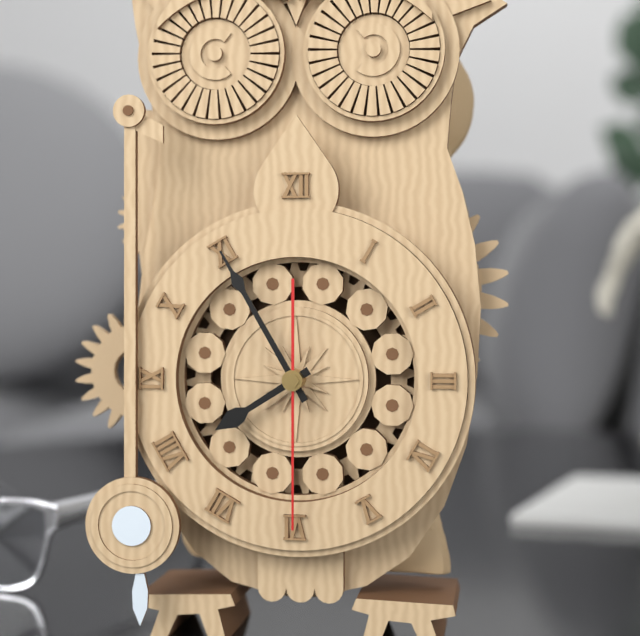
h=7 m=55 s=30
